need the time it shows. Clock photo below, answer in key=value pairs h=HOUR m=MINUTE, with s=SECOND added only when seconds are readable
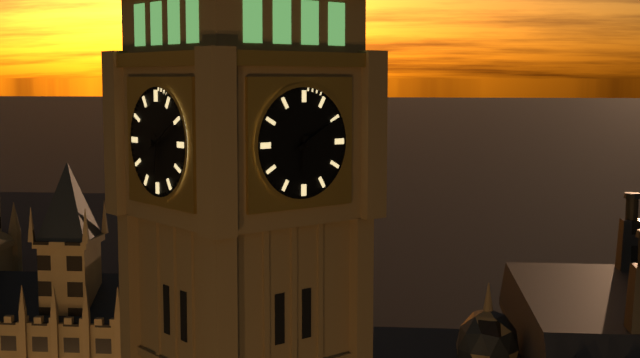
h=6 m=10
